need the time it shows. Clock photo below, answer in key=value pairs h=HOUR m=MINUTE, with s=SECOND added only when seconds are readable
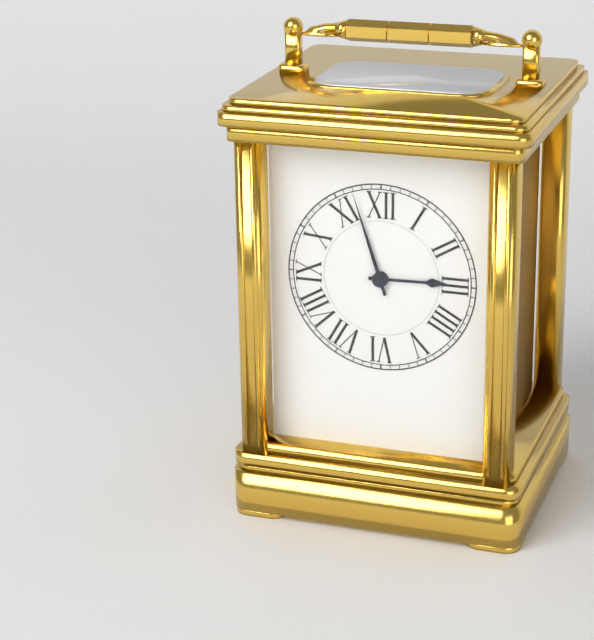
h=2 m=57
